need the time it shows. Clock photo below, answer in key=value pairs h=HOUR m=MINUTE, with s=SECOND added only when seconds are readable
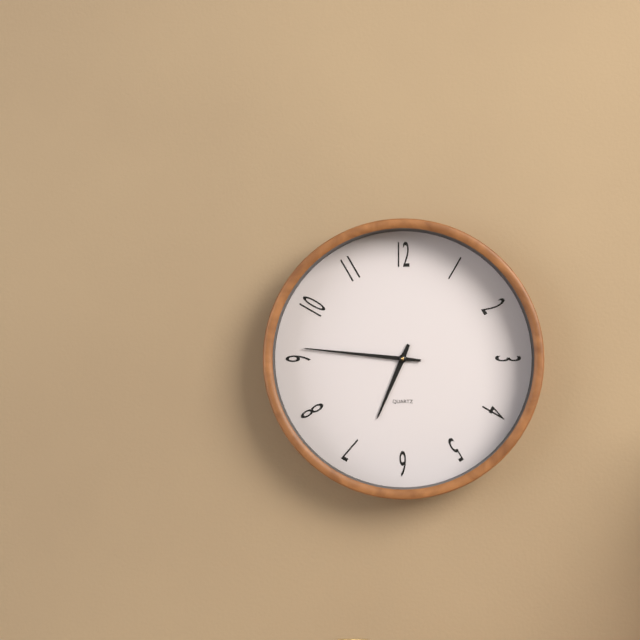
h=6 m=46
